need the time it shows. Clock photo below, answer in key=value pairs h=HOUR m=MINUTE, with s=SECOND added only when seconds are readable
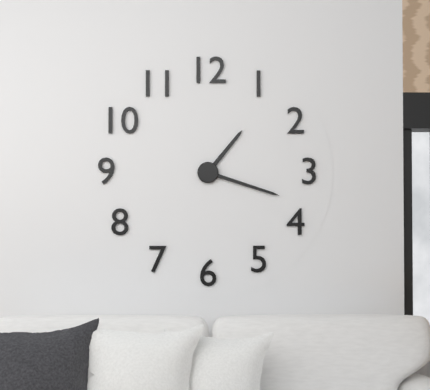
h=1 m=18
